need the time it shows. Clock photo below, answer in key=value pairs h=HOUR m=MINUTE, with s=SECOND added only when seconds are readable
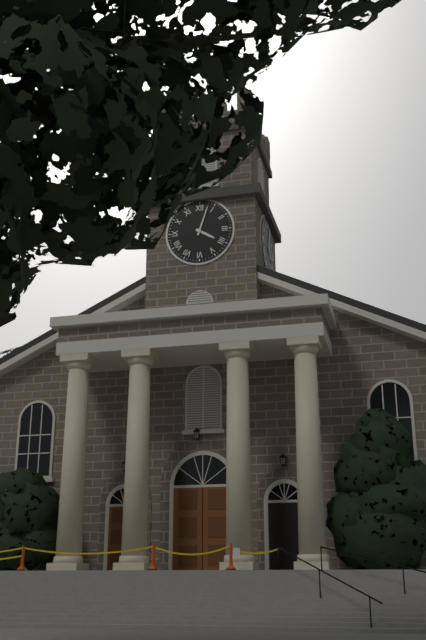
h=4 m=3
